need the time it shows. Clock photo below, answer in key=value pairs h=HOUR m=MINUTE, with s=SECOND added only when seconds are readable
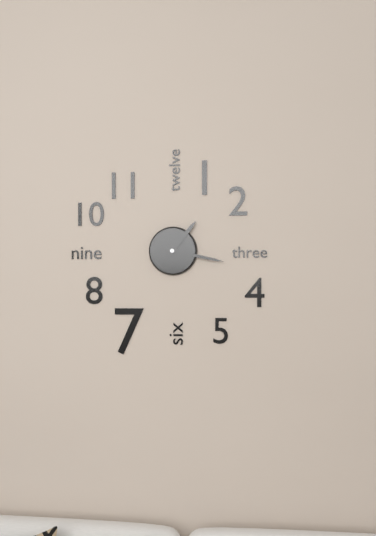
h=1 m=17
